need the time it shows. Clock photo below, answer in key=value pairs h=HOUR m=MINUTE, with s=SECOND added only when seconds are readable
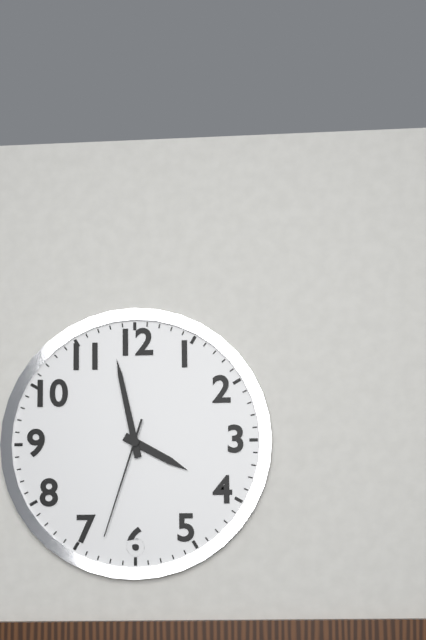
h=3 m=58 s=33
